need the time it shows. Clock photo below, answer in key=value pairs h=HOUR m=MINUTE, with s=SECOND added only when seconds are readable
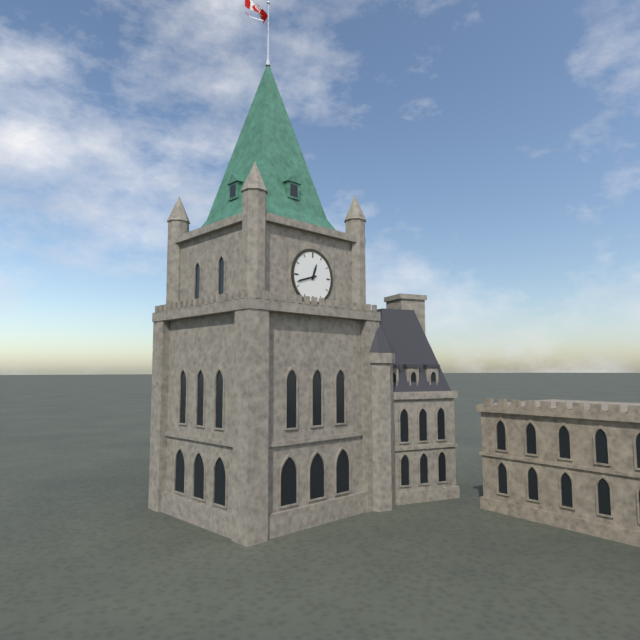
h=12 m=42
